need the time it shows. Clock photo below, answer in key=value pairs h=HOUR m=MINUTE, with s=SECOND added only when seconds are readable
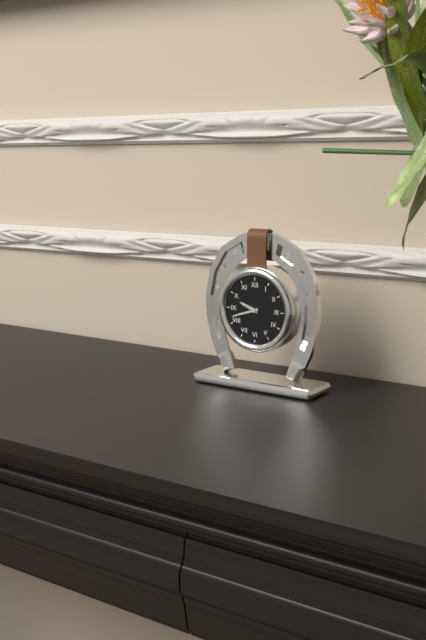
h=9 m=42
